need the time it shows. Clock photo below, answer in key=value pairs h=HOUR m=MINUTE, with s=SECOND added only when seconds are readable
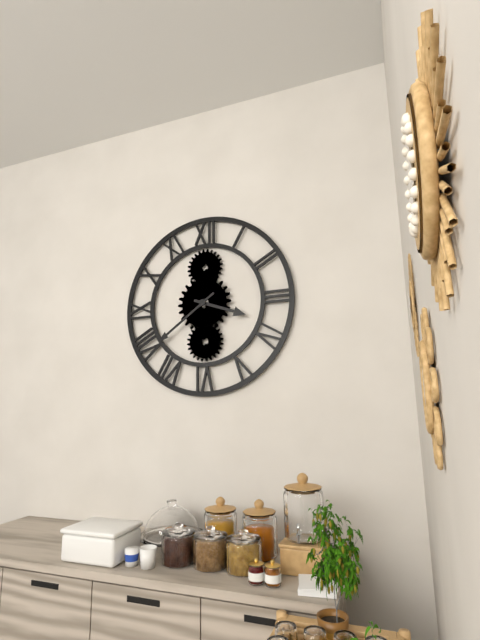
h=3 m=39
